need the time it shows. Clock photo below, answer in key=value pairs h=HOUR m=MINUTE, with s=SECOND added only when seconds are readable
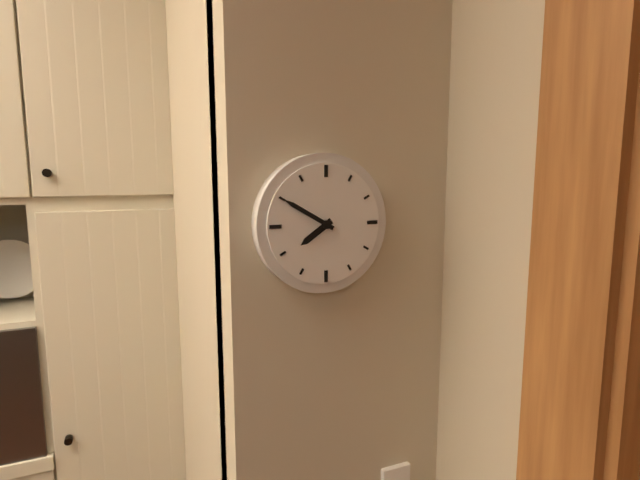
h=7 m=50
